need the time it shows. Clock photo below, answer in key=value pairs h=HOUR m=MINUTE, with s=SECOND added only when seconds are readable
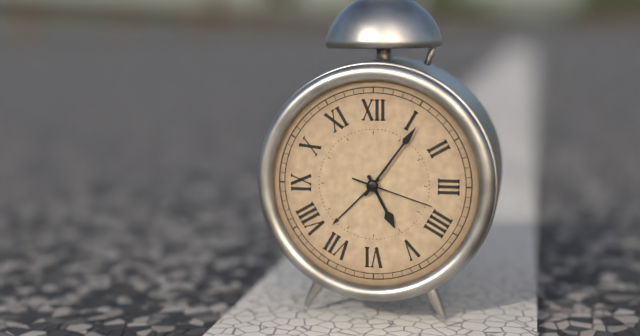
h=5 m=6 s=18
